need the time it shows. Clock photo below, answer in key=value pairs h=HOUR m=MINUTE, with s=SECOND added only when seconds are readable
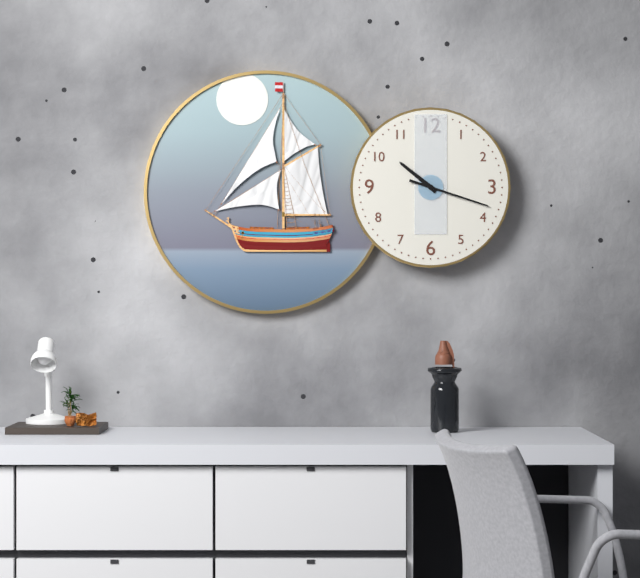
h=10 m=18
